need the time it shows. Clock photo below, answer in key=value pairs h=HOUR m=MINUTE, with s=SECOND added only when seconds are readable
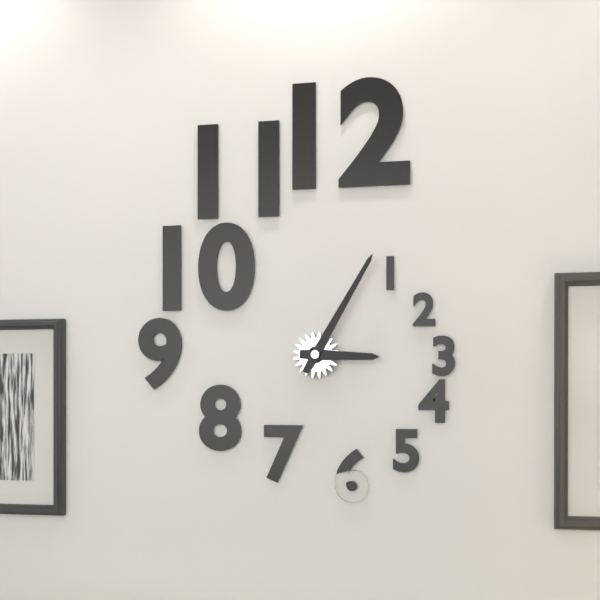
h=3 m=5
